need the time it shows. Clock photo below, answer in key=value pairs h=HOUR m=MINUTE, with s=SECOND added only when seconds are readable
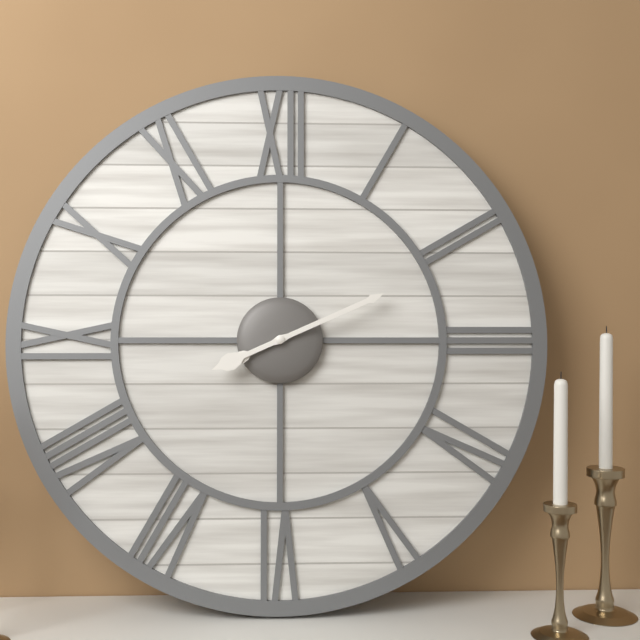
h=8 m=11
